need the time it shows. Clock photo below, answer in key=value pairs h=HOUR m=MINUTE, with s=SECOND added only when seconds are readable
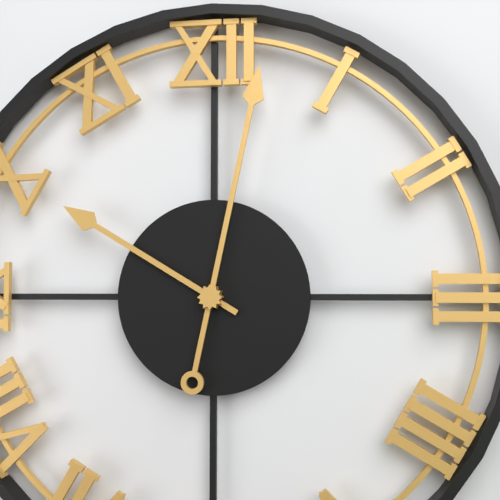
h=10 m=2
